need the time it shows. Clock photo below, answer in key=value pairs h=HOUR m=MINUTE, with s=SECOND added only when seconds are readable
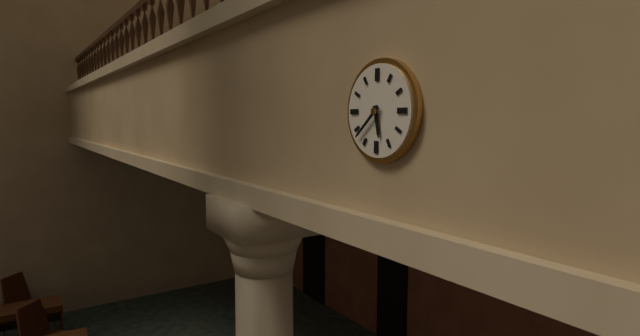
h=5 m=38
